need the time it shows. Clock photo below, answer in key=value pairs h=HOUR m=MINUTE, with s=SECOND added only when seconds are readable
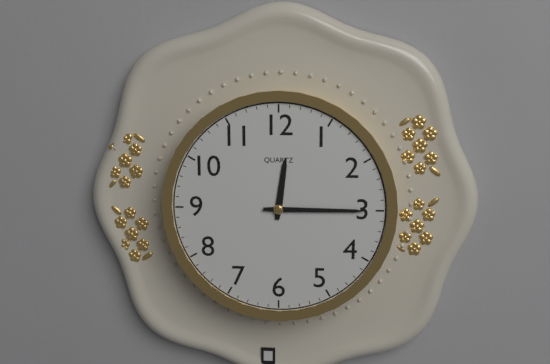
h=12 m=15
